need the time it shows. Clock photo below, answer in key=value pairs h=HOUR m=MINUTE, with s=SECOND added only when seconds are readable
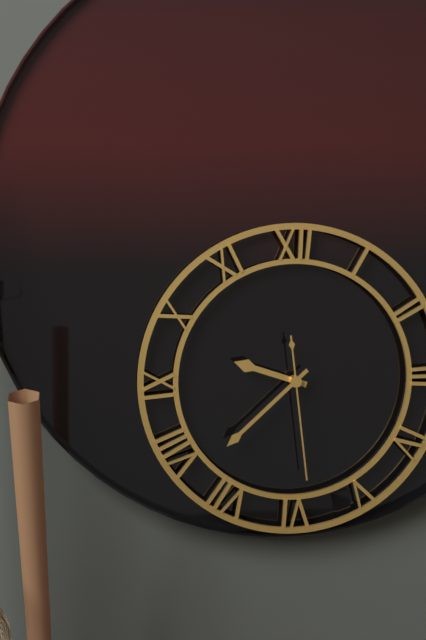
h=9 m=38 s=29
